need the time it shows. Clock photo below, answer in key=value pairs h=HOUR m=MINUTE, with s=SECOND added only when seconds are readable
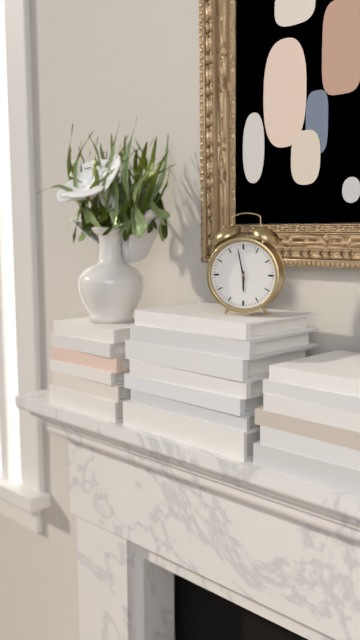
h=5 m=58
